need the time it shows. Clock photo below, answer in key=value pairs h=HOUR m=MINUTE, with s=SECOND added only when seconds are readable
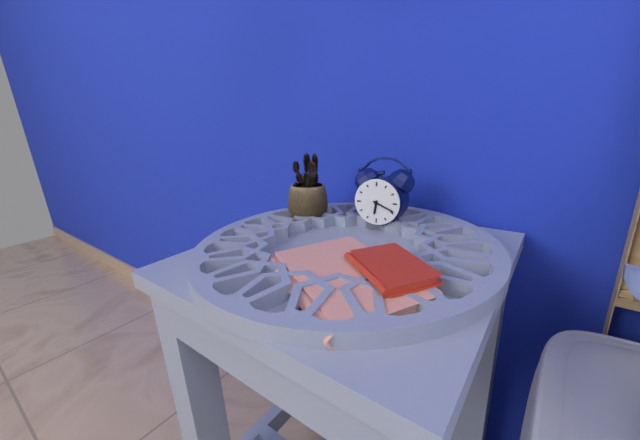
h=6 m=19
